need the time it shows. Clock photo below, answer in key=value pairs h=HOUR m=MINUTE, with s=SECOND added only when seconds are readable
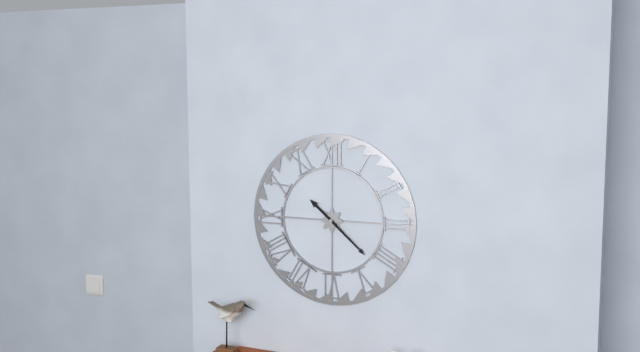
h=10 m=22
